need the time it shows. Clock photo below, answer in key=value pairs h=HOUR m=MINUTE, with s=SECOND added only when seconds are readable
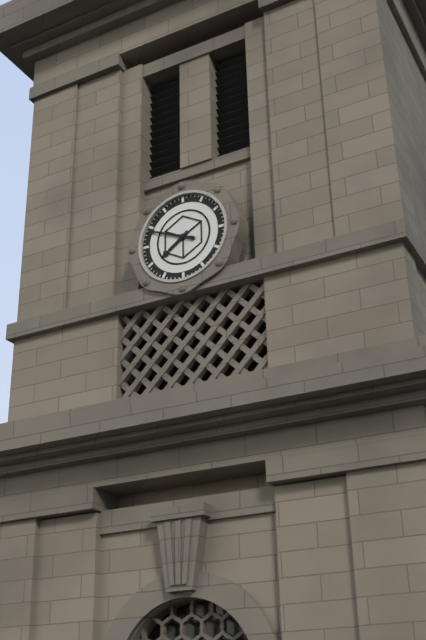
h=7 m=49
